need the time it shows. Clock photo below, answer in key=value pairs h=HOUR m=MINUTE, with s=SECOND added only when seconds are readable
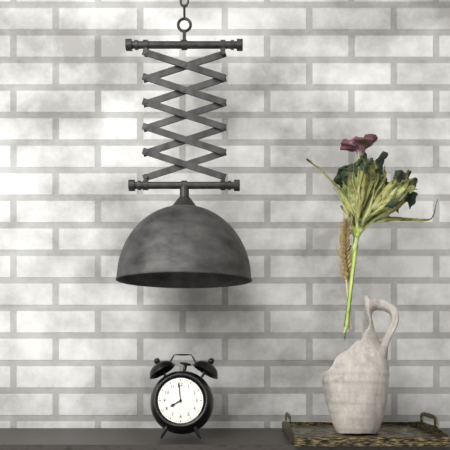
h=7 m=59
